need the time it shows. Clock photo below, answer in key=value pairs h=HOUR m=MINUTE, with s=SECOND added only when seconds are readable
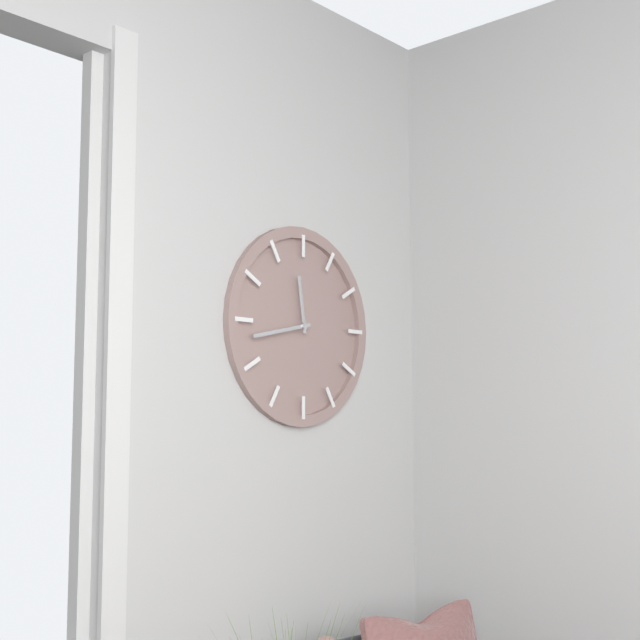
h=11 m=43
